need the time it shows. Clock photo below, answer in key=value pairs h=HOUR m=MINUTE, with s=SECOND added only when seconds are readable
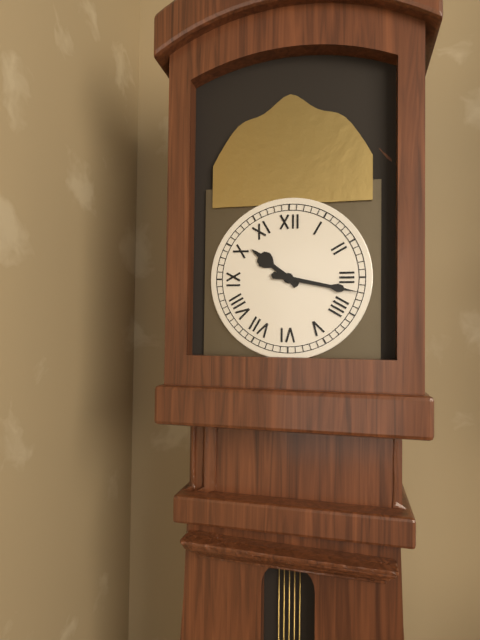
h=10 m=17
